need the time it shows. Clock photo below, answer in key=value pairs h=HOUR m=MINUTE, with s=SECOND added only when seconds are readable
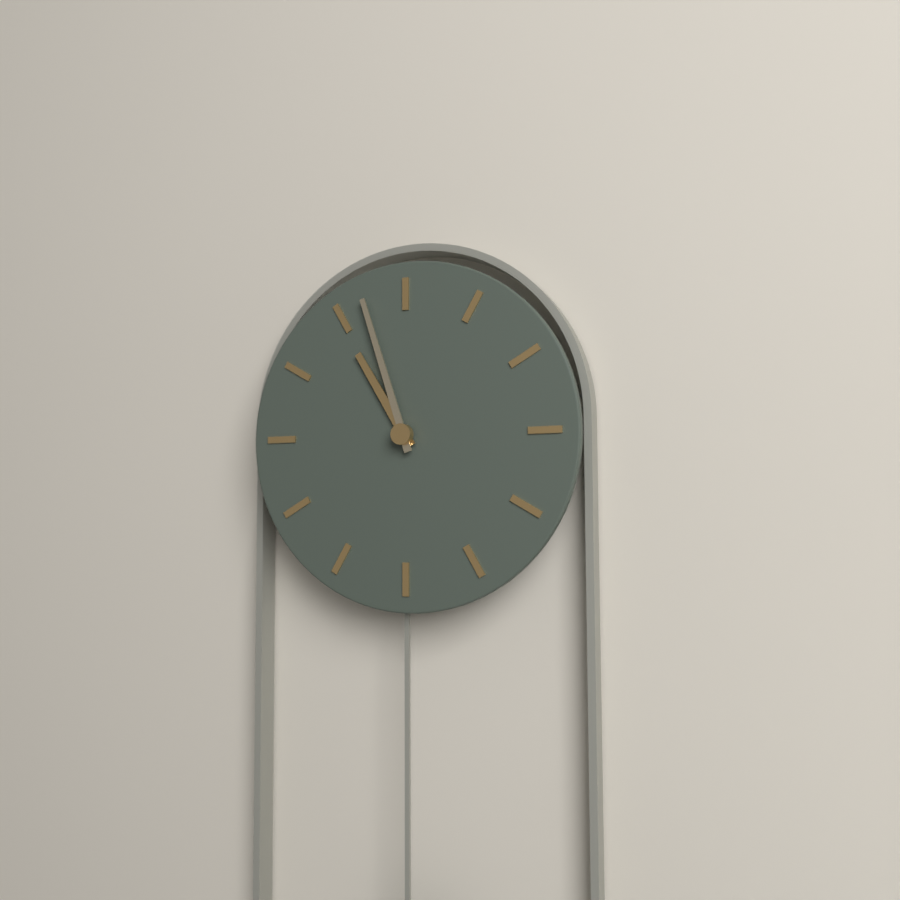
h=10 m=57
